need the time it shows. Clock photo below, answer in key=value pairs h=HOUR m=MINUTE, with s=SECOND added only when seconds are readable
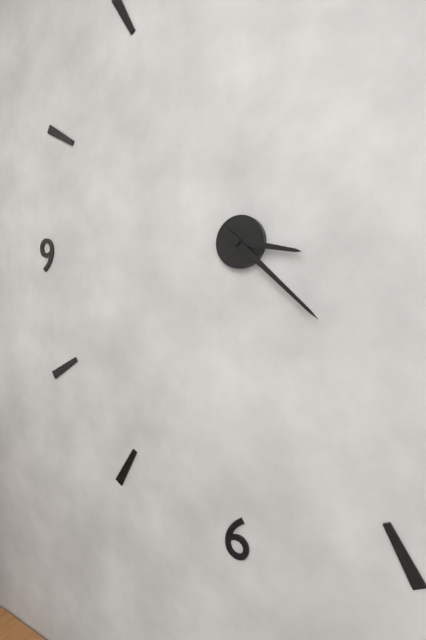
h=3 m=22
